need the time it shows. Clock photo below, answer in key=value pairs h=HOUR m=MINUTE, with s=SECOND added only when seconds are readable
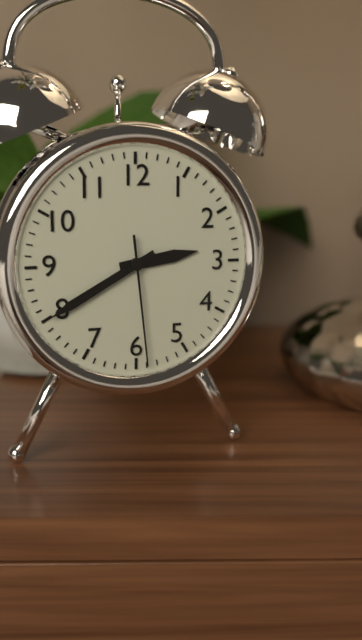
h=2 m=40 s=29
